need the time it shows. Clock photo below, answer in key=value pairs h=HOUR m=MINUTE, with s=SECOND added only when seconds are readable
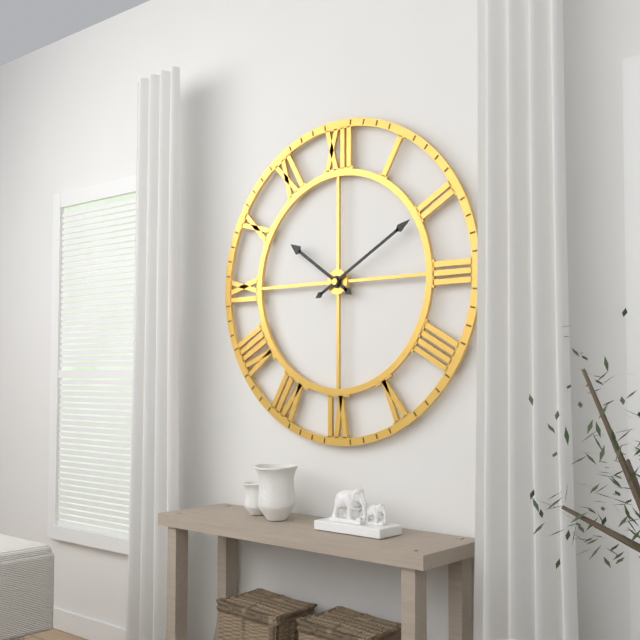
h=10 m=10
